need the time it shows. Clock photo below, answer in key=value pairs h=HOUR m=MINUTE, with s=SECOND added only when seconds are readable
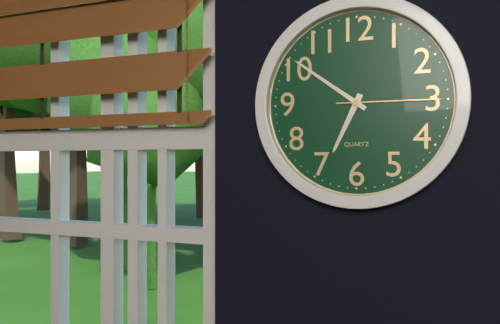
h=6 m=51 s=15
